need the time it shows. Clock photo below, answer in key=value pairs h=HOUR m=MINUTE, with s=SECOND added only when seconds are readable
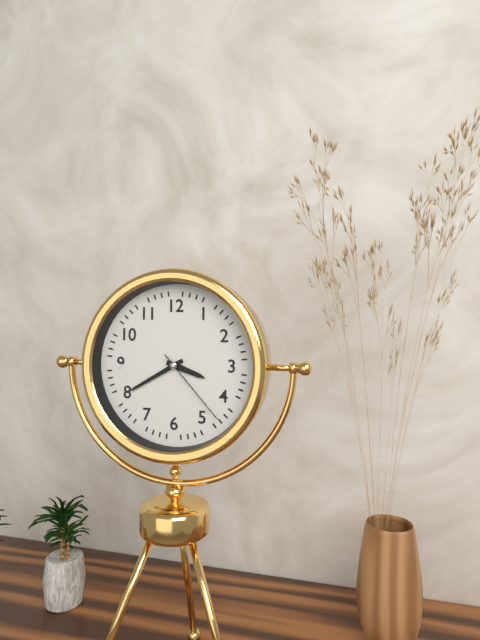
h=3 m=40 s=23
